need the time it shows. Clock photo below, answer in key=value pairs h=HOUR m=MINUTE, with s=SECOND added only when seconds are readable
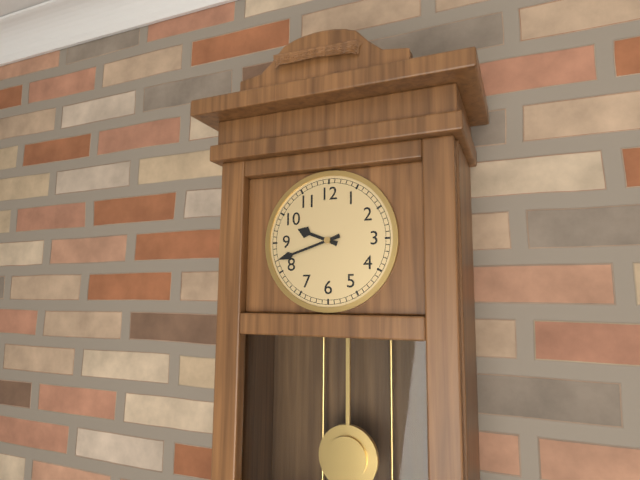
h=9 m=42
